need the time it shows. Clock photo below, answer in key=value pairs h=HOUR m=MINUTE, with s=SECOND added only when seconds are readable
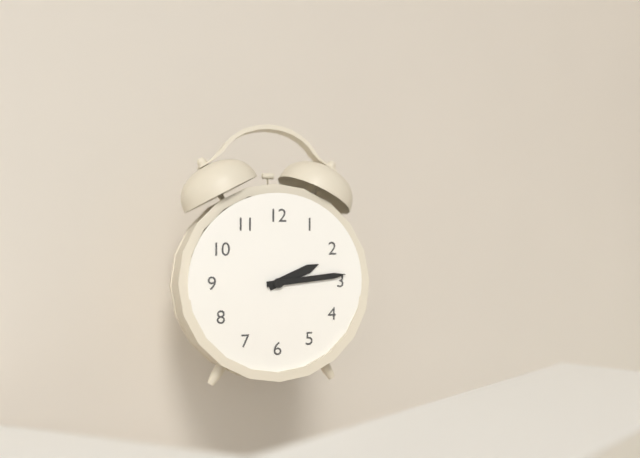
h=2 m=14
